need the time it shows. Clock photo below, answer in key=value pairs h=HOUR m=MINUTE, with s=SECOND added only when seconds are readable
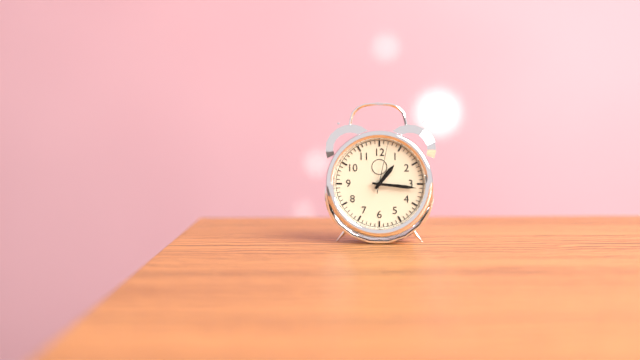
h=1 m=16
